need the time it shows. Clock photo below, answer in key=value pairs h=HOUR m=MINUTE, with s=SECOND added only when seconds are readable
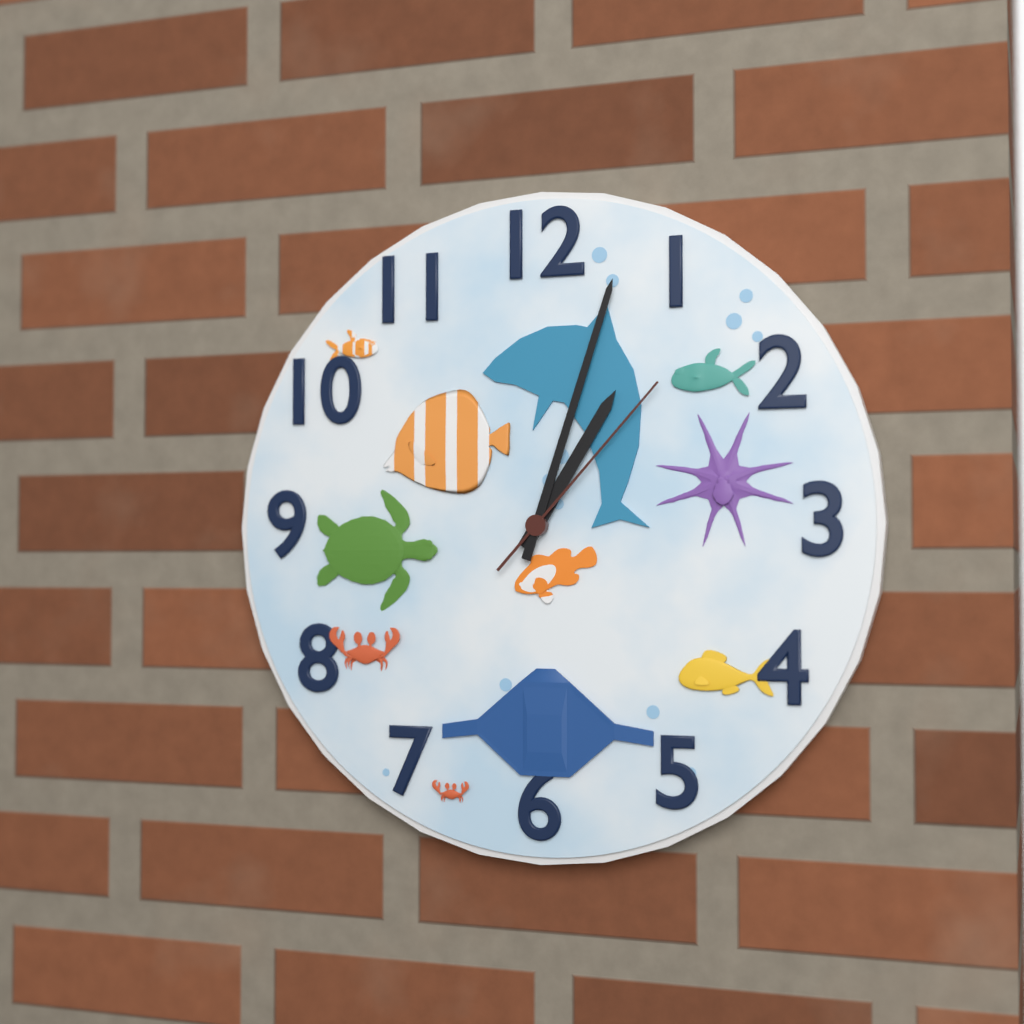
h=1 m=3 s=7
